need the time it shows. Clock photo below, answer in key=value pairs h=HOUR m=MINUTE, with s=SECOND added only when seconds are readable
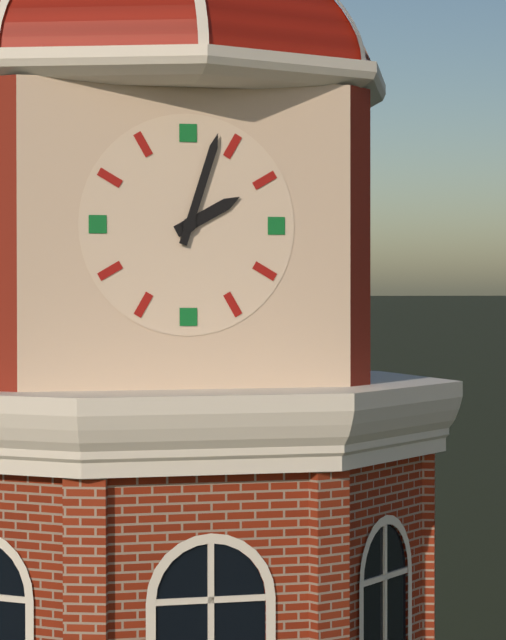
h=2 m=3
